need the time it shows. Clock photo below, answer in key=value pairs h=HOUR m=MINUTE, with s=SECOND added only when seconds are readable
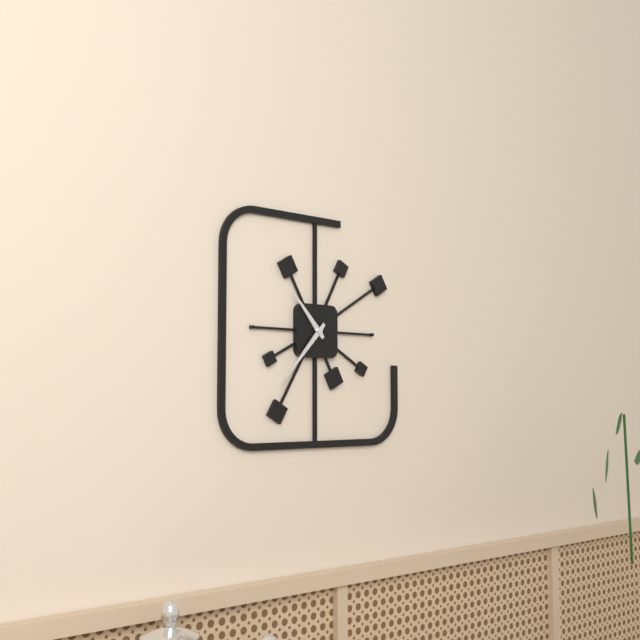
h=10 m=37
